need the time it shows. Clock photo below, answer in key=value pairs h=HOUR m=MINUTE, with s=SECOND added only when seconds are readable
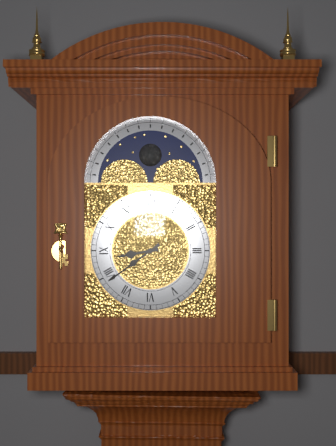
h=8 m=39
